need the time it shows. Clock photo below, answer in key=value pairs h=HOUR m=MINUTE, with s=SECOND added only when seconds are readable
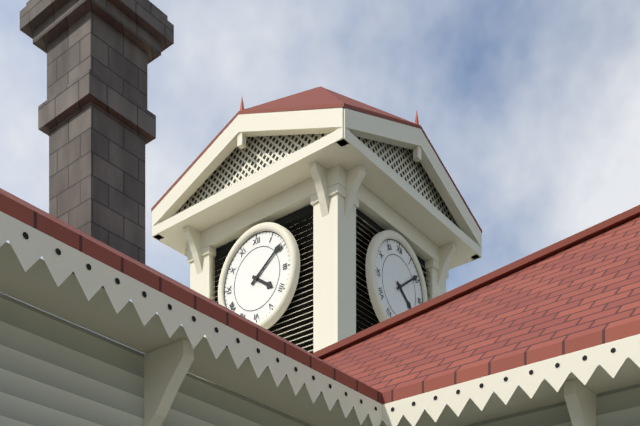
h=4 m=9
